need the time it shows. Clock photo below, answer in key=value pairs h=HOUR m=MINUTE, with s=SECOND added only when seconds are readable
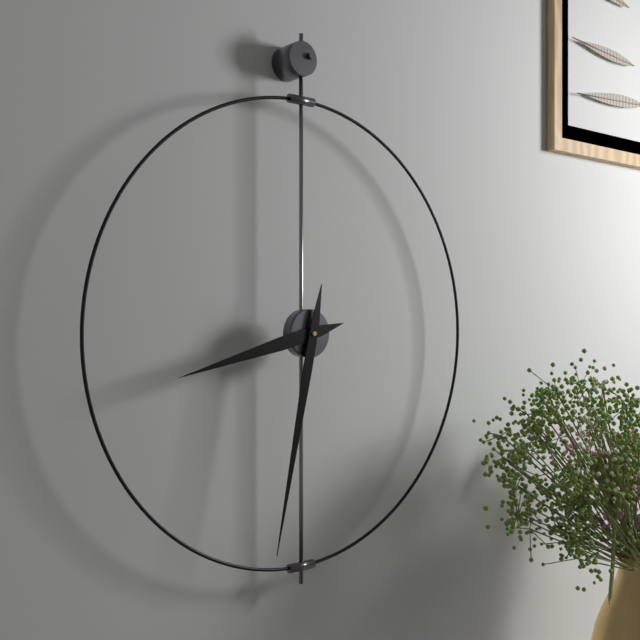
h=8 m=32
